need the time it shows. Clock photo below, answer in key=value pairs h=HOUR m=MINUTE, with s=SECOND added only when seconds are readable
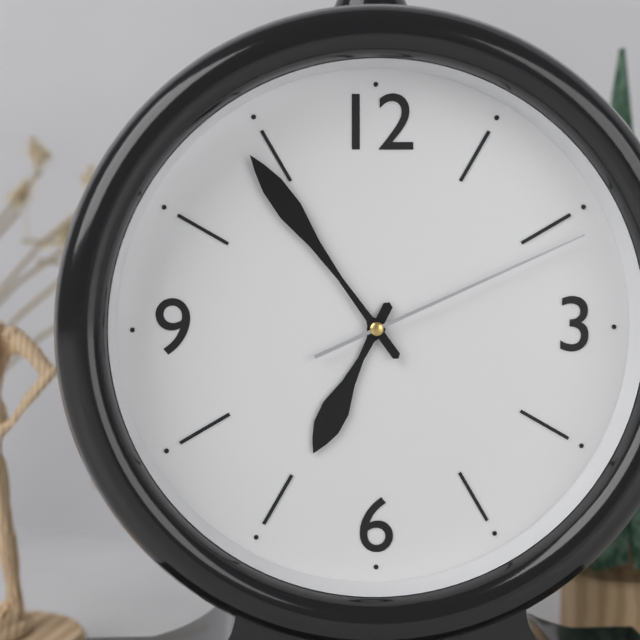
h=6 m=54 s=11
